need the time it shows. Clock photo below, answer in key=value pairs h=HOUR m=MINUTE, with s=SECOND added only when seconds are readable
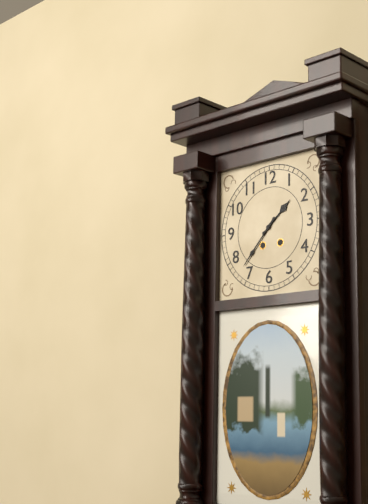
h=1 m=37
